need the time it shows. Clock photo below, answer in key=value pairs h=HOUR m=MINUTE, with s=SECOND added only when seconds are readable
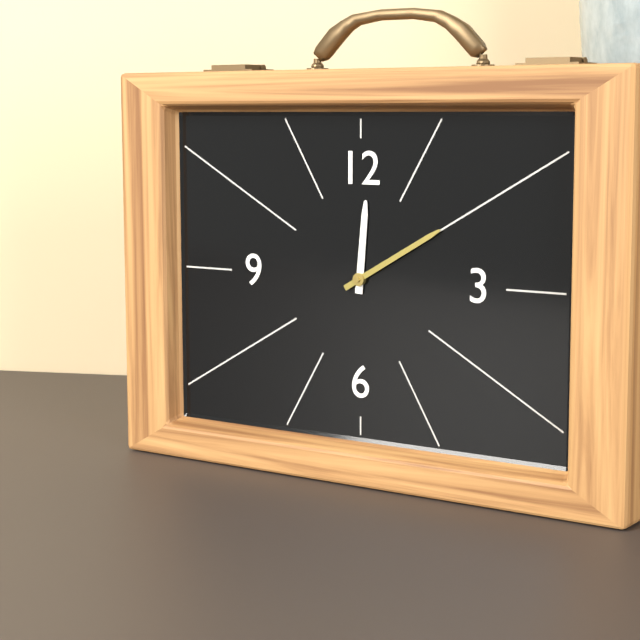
h=12 m=10
